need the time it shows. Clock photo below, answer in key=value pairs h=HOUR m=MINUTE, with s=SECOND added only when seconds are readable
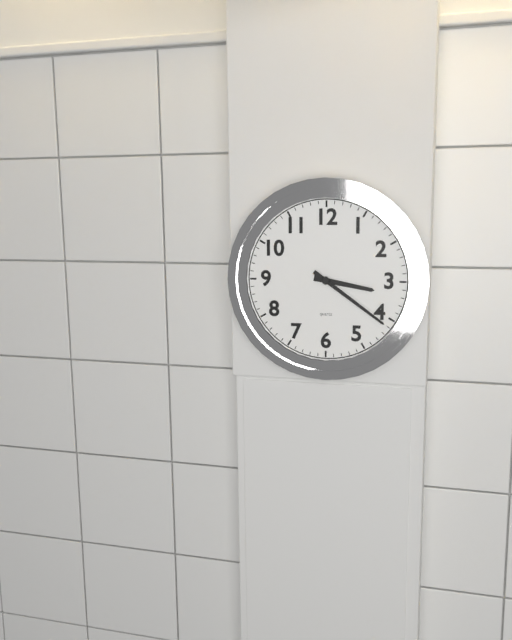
h=3 m=21
